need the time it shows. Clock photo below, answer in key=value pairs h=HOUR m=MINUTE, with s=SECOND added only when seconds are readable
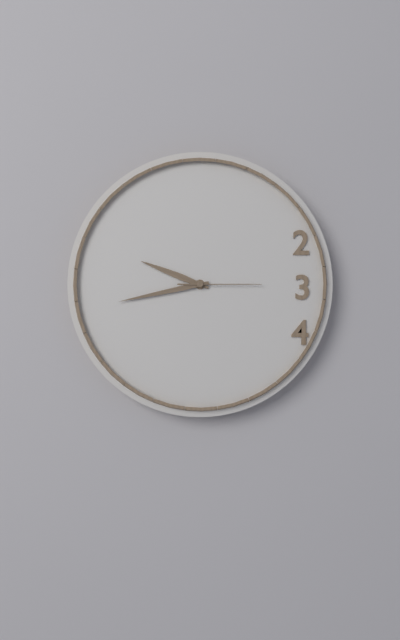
h=9 m=43 s=15
